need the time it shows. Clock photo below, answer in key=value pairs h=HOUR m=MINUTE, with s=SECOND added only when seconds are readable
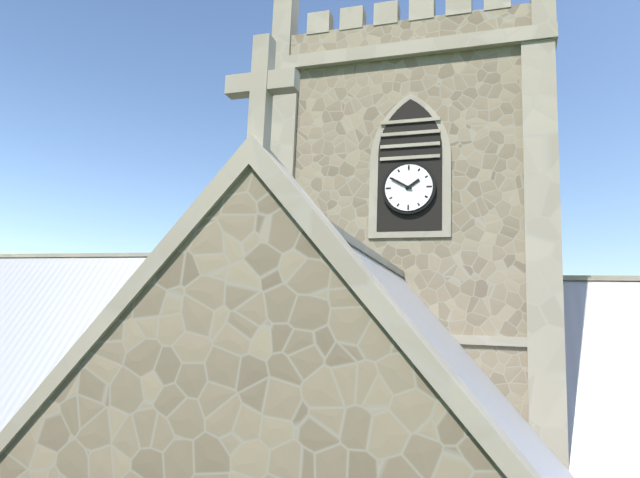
h=1 m=50
